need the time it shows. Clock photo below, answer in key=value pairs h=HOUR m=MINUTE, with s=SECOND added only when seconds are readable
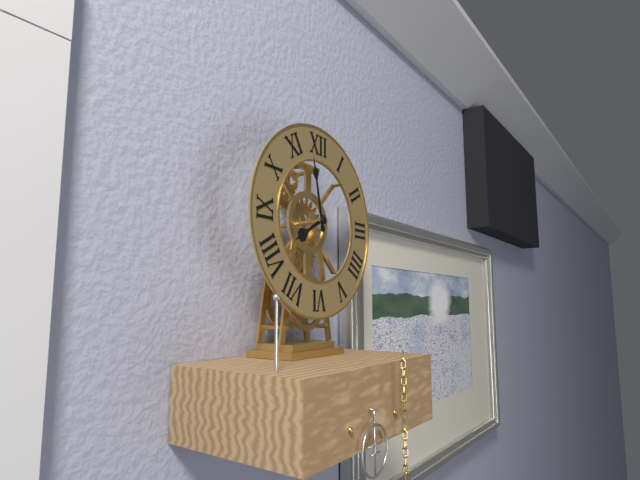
h=7 m=58
